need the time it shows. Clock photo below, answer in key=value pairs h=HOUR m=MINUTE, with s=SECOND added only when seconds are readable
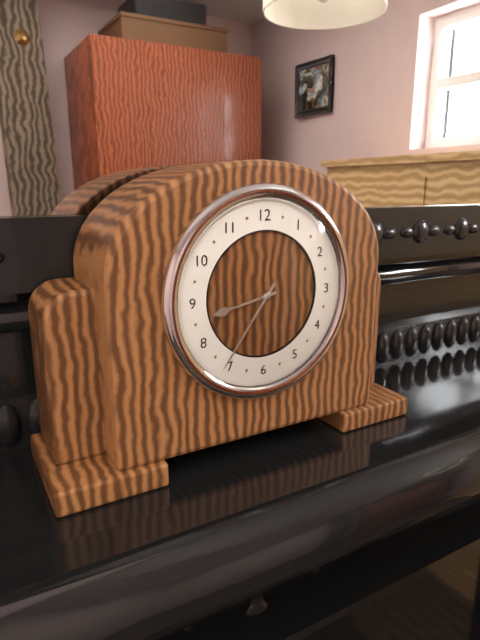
h=8 m=36
